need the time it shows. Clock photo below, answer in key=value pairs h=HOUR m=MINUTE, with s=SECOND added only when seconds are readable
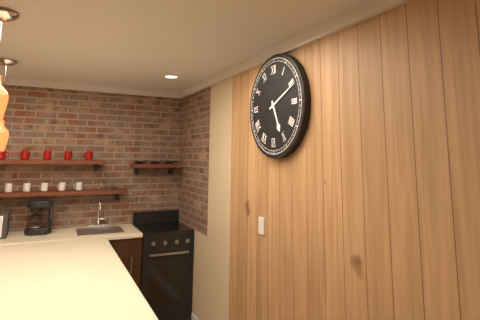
h=5 m=11
